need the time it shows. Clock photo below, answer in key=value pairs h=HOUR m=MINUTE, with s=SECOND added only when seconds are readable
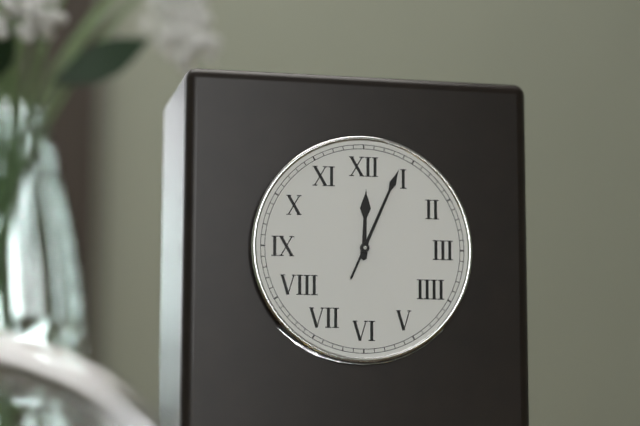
h=12 m=4
